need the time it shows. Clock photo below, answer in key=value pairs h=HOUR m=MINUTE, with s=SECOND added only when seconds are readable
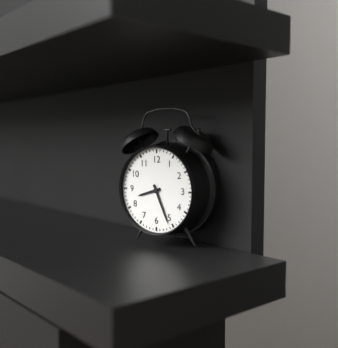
h=8 m=26
